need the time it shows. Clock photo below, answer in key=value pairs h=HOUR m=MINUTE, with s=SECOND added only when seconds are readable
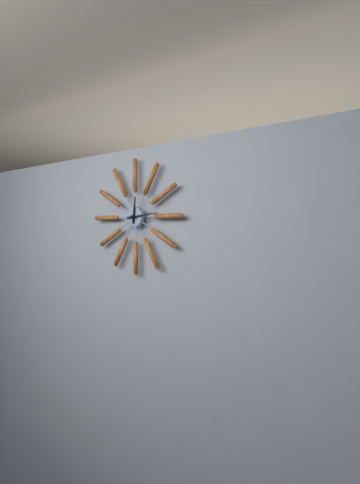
h=12 m=14
